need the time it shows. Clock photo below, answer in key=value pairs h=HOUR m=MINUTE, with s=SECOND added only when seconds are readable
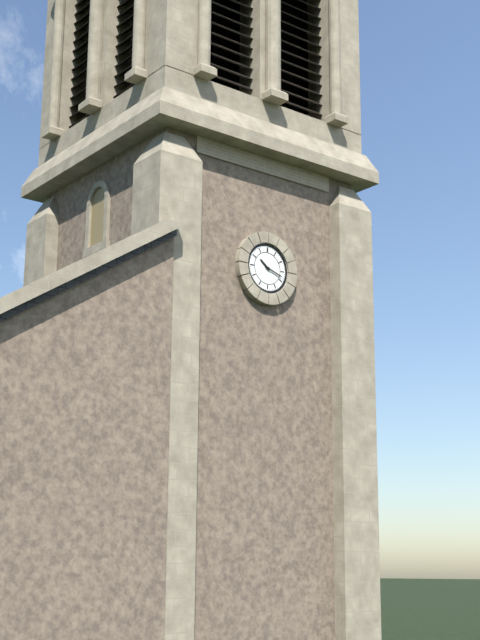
h=10 m=18
